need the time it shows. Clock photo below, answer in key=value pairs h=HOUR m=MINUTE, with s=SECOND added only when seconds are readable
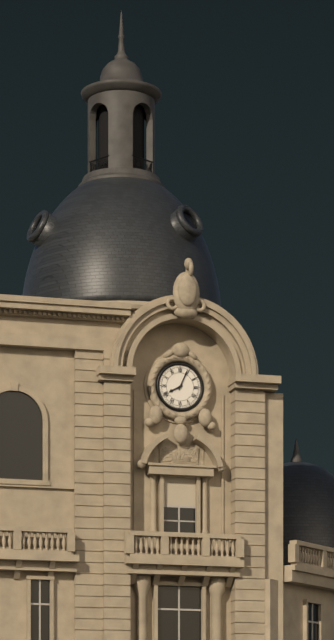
h=8 m=4
